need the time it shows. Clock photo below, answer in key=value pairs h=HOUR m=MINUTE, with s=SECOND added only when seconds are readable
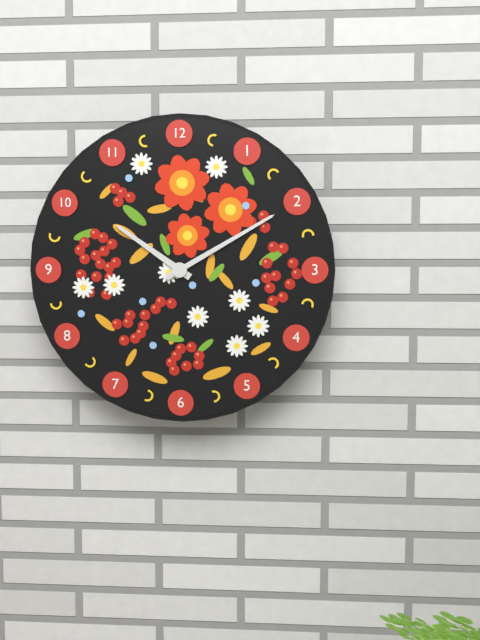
h=10 m=10
